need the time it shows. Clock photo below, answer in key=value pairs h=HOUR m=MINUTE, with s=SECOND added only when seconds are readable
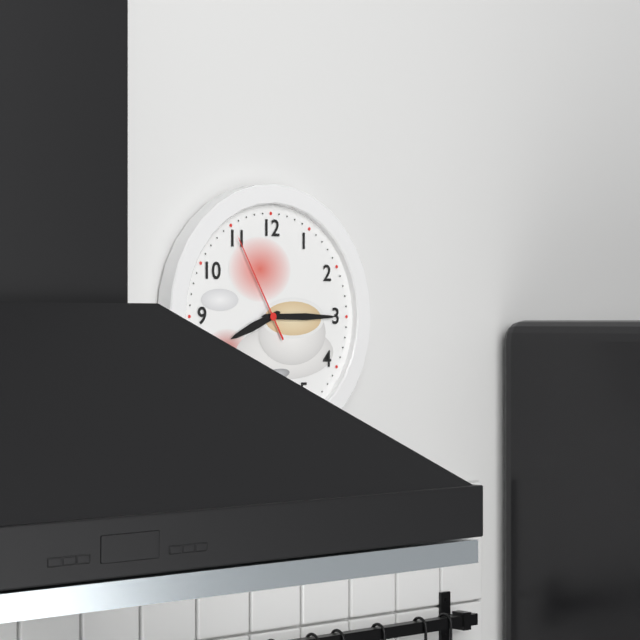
h=8 m=15 s=55
